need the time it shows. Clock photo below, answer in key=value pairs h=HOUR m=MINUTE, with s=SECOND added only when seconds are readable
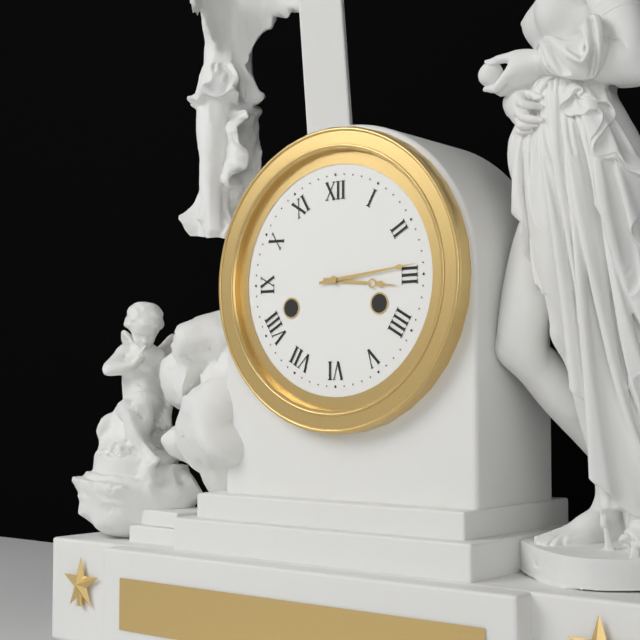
h=3 m=14
